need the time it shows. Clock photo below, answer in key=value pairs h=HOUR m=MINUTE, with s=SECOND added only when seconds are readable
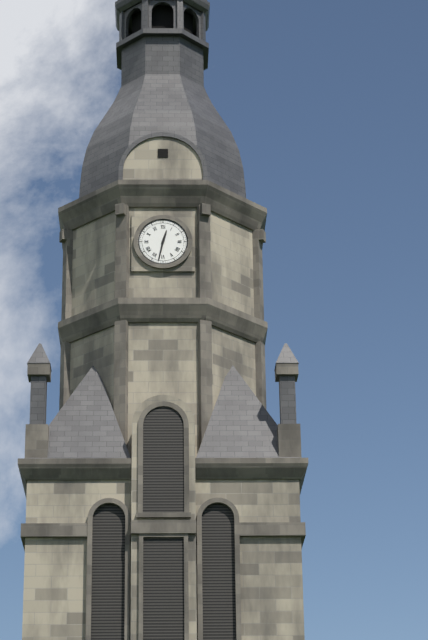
h=12 m=32
